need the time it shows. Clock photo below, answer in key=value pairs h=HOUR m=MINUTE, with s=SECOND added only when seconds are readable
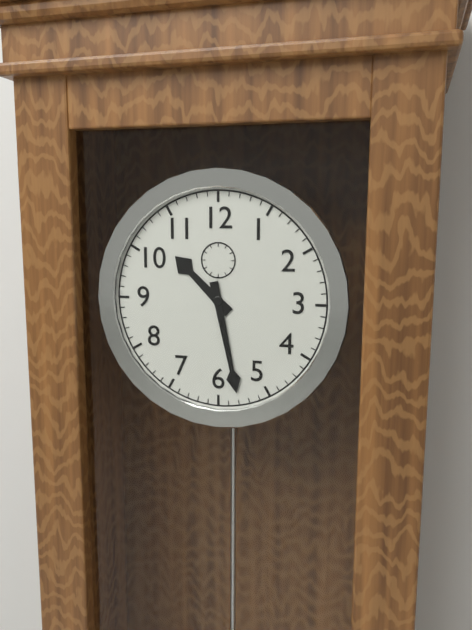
h=10 m=28
